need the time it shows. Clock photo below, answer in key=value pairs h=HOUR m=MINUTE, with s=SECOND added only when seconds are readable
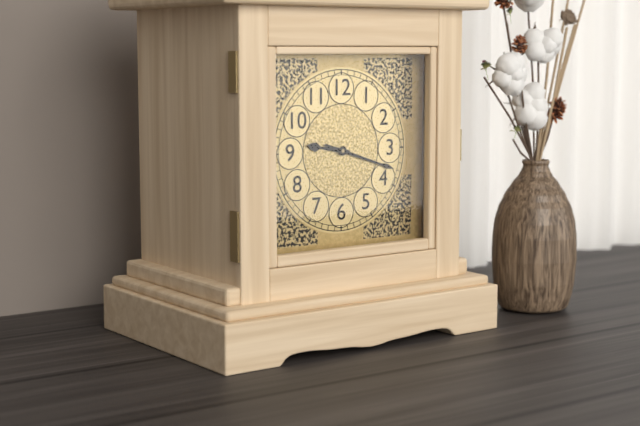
h=9 m=18
